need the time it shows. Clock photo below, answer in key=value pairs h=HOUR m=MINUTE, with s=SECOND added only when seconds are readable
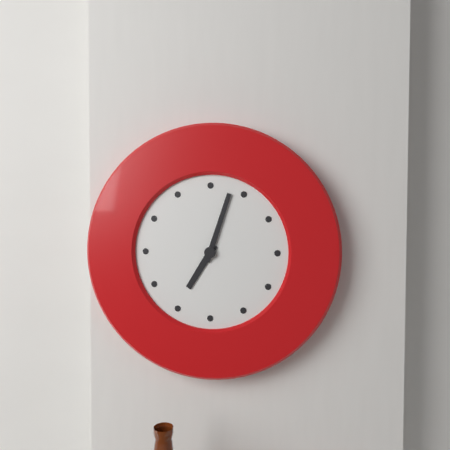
h=7 m=3
